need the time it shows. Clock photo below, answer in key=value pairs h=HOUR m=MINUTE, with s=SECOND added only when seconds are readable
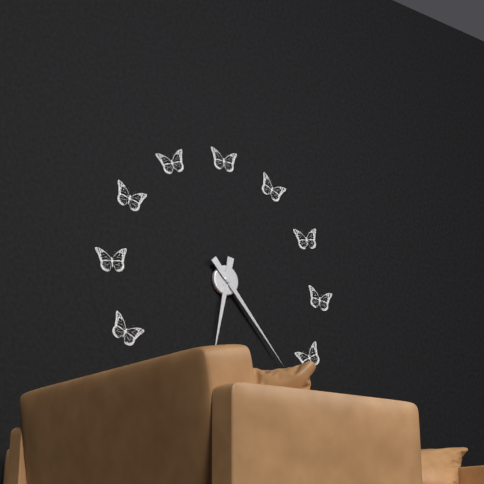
h=6 m=23
